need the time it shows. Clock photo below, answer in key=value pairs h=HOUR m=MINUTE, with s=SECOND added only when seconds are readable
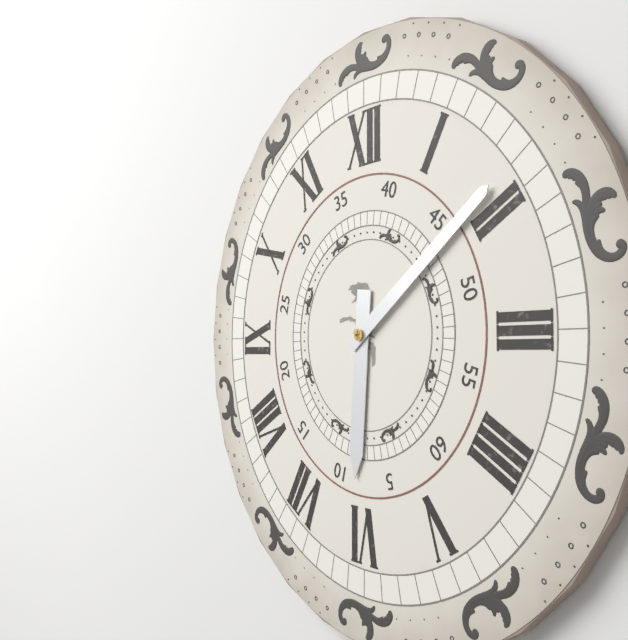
h=6 m=9
